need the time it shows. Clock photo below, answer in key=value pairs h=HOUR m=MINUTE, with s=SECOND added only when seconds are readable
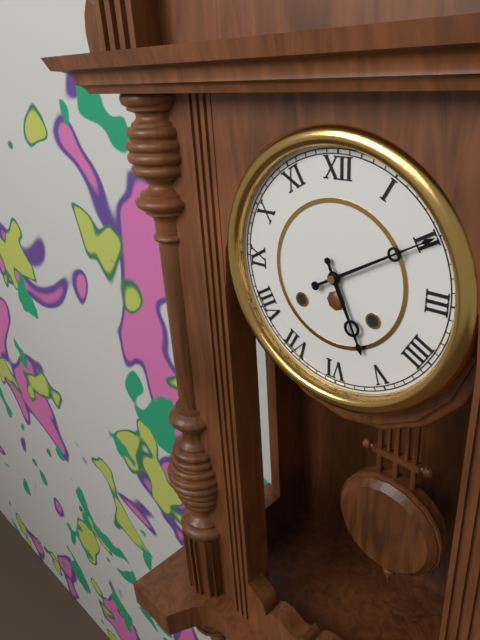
h=5 m=10
